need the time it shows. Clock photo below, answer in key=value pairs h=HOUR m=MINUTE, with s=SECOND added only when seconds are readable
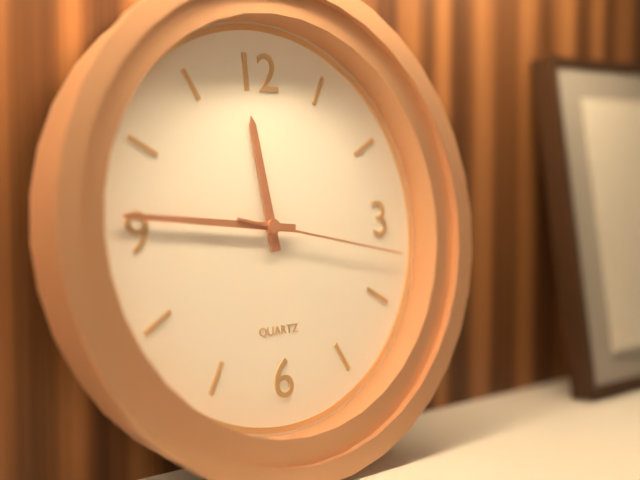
h=11 m=46 s=17
